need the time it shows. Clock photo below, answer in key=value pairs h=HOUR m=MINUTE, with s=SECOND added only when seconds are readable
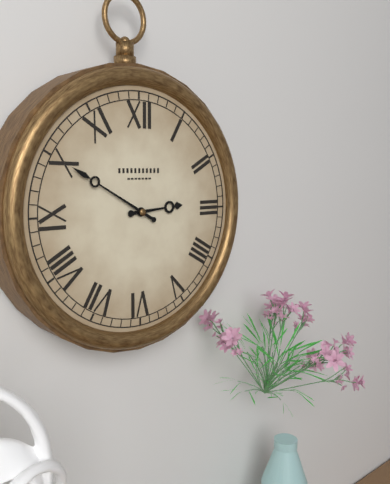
h=2 m=50
